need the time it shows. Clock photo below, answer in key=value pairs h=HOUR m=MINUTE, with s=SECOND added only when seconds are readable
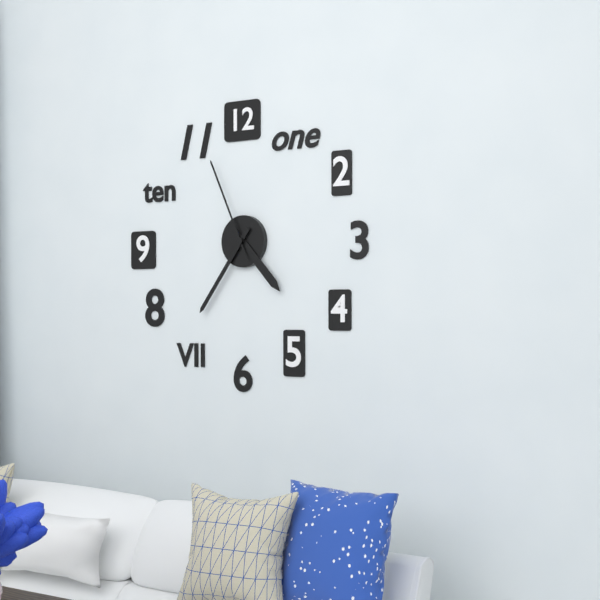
h=4 m=36 s=56
